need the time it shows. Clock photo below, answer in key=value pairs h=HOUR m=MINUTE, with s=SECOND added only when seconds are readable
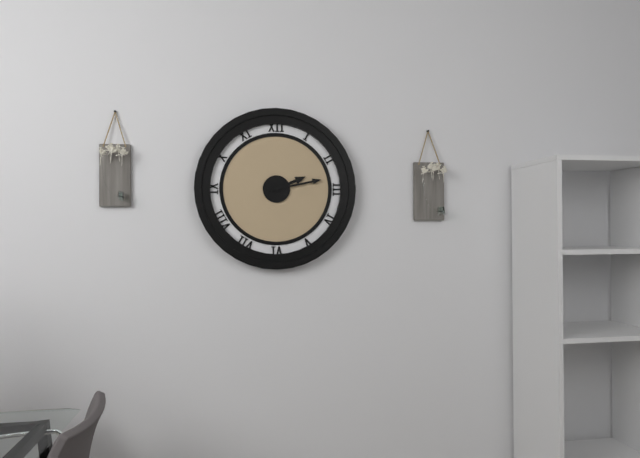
h=2 m=13
